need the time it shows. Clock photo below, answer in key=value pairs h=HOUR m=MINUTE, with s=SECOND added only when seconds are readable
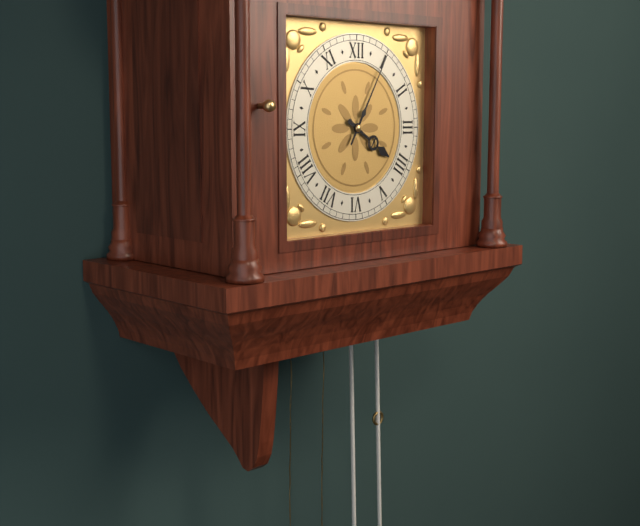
h=4 m=5
